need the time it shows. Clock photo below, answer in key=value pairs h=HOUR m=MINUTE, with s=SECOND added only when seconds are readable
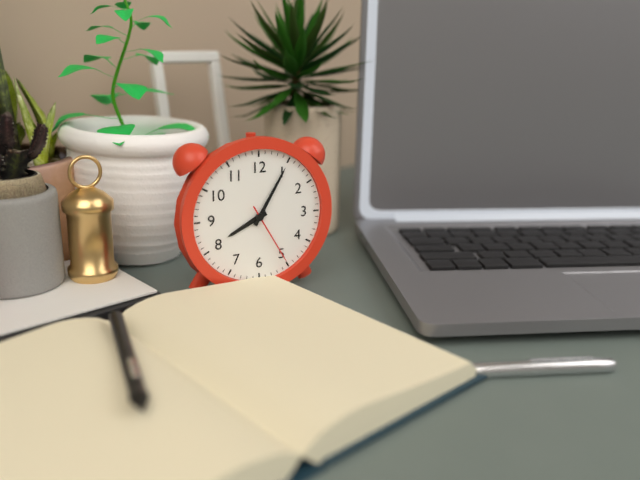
h=8 m=5 s=25
